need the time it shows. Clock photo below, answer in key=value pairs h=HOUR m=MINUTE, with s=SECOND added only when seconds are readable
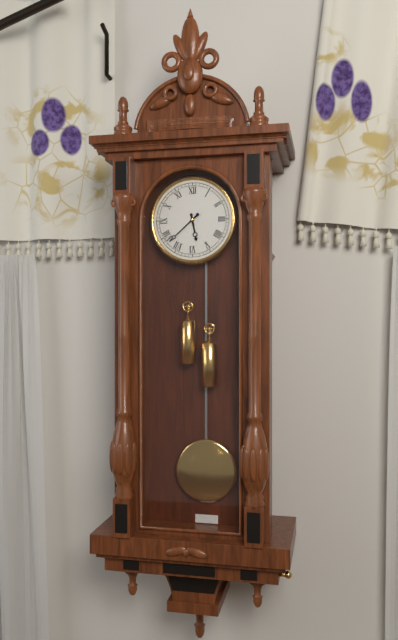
h=5 m=38
